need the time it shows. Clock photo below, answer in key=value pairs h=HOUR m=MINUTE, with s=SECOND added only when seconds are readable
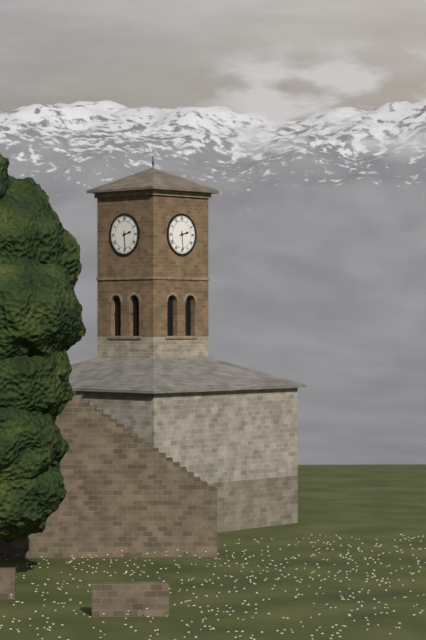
h=2 m=29
